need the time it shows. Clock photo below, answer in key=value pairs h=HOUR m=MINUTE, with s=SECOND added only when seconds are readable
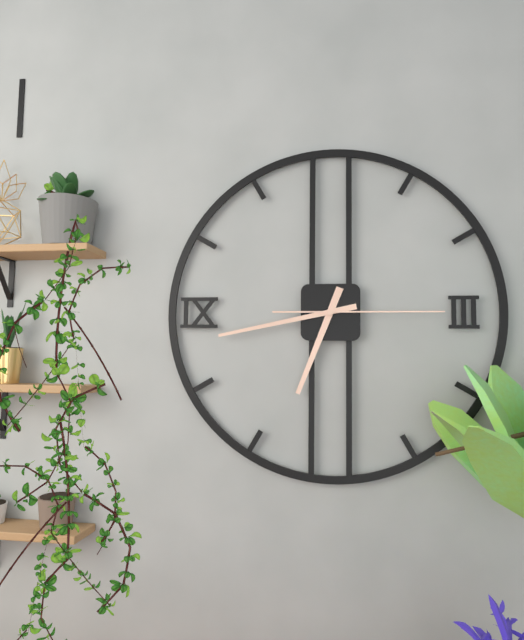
h=6 m=43 s=15
